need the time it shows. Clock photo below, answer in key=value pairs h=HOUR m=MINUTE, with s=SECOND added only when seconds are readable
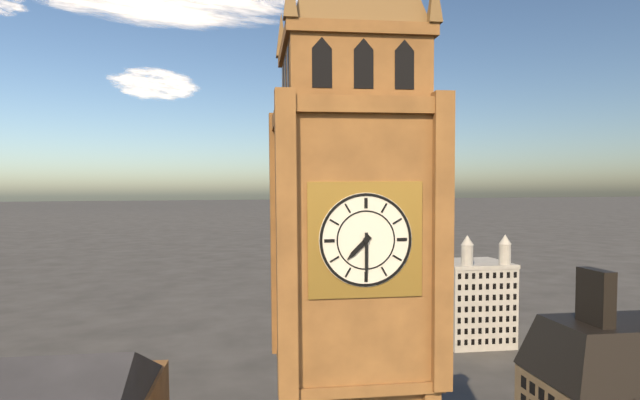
h=7 m=30
